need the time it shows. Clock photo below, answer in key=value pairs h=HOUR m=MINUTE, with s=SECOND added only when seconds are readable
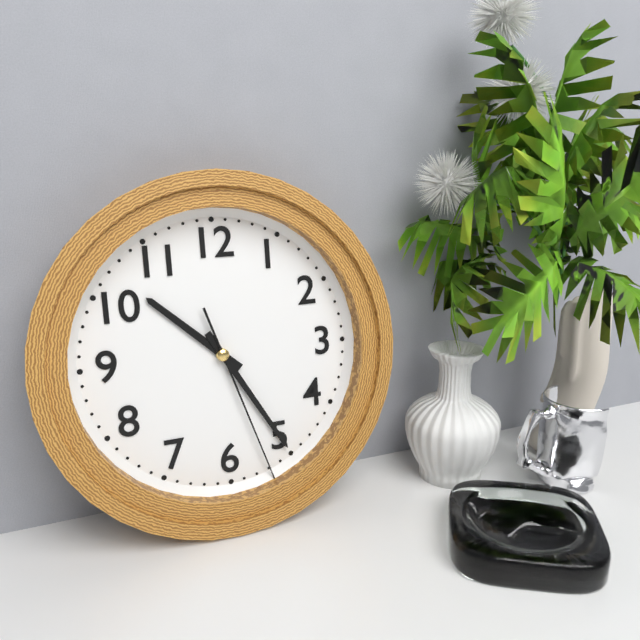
h=10 m=25 s=27
